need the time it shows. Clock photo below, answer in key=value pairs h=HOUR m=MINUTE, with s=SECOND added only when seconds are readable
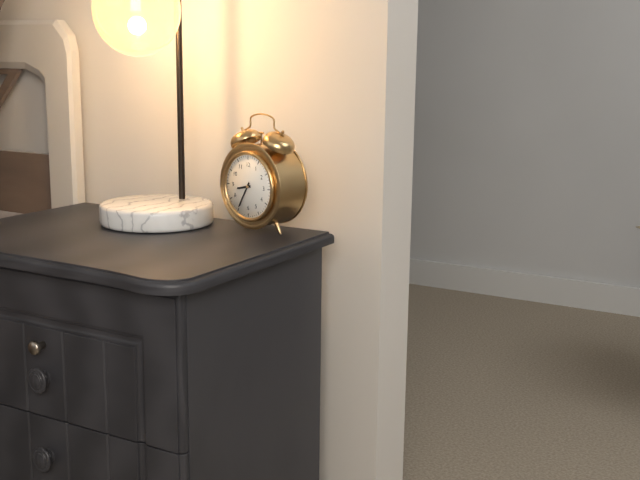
h=8 m=35
